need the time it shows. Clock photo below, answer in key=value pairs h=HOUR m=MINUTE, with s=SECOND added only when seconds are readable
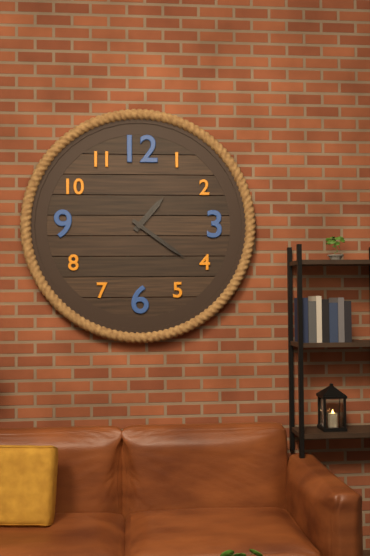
h=1 m=21
